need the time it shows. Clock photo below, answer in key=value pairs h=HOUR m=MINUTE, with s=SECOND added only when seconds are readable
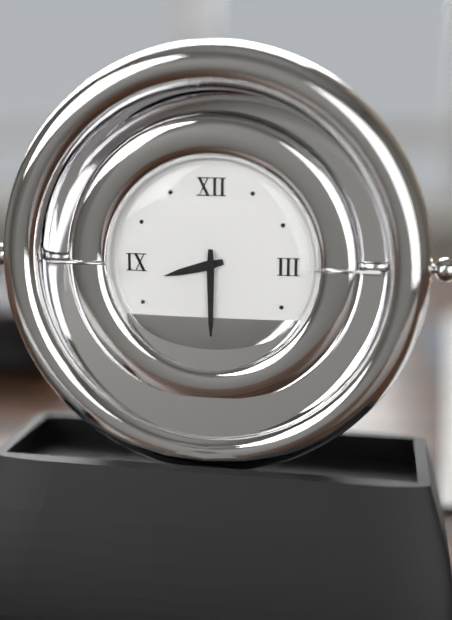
h=8 m=30
